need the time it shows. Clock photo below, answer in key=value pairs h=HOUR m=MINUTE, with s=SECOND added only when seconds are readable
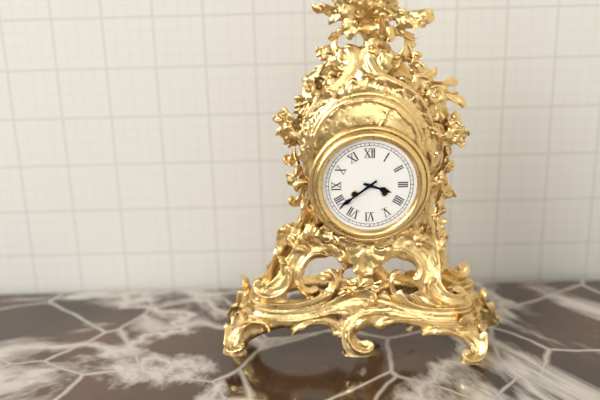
h=3 m=39
